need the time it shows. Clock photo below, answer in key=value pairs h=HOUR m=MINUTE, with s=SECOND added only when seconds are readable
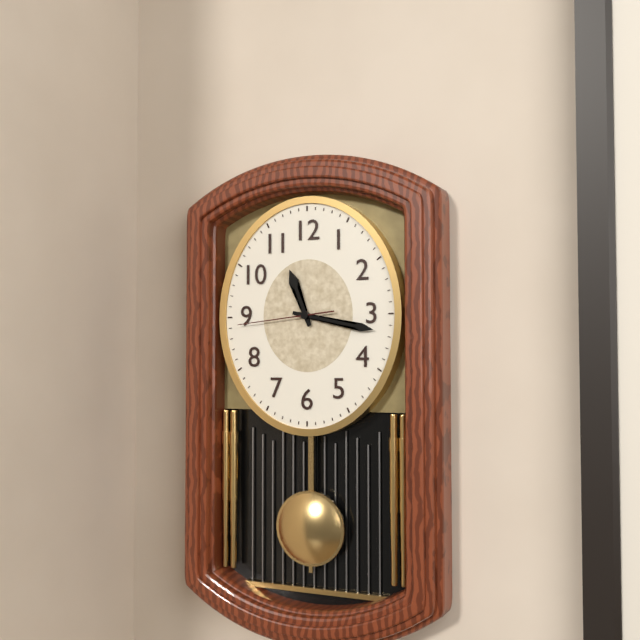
h=11 m=17 s=44
